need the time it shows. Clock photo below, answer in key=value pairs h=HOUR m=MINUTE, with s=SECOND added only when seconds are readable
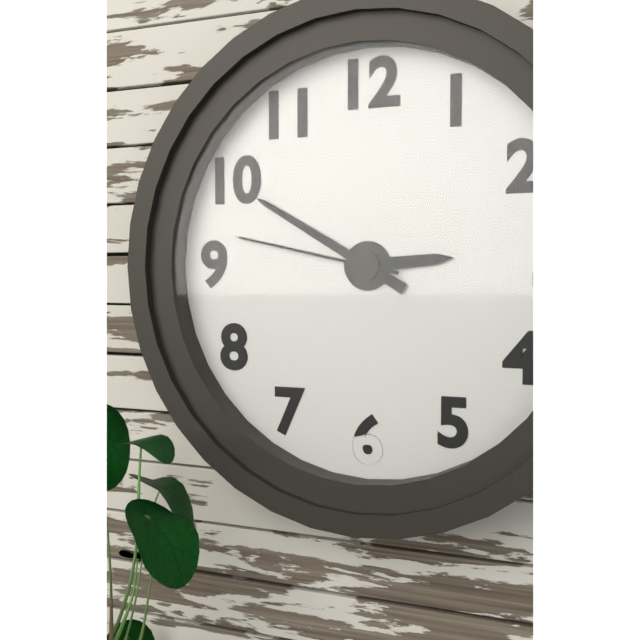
h=2 m=50 s=47
